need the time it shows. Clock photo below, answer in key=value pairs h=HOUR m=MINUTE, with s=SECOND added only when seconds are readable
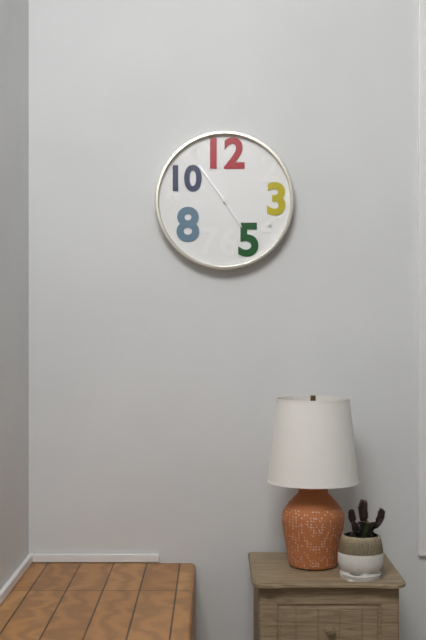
h=4 m=54
